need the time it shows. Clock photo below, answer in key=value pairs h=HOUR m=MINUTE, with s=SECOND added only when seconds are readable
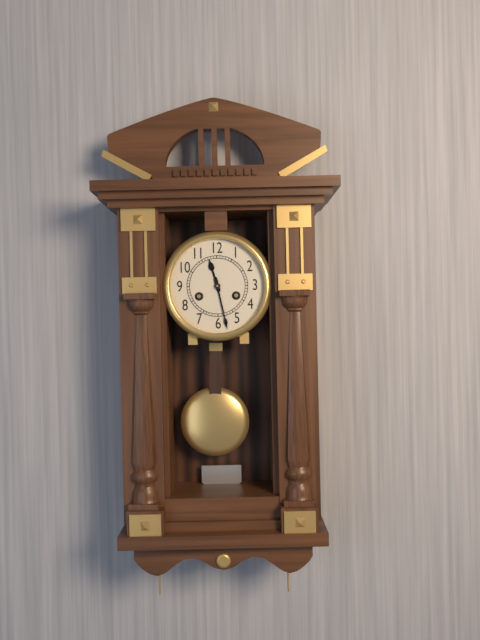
h=11 m=28
